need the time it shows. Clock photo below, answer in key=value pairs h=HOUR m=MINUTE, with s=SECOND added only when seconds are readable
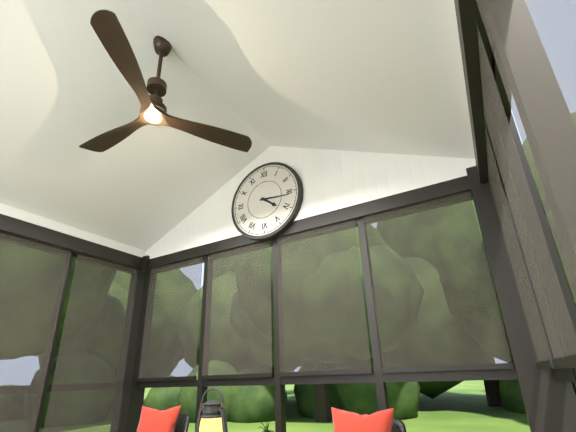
h=4 m=16
